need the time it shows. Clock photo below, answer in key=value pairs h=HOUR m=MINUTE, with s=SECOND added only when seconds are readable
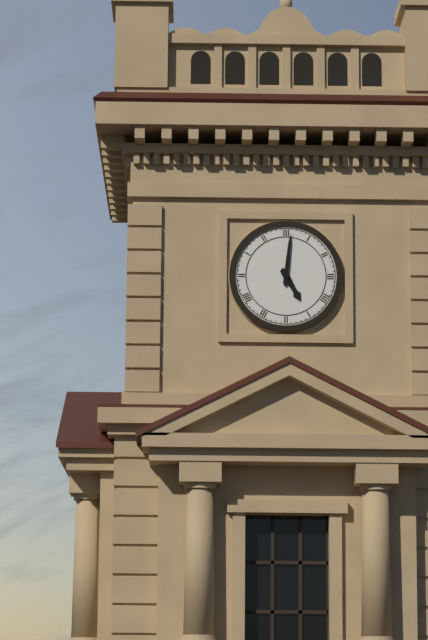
h=5 m=1
